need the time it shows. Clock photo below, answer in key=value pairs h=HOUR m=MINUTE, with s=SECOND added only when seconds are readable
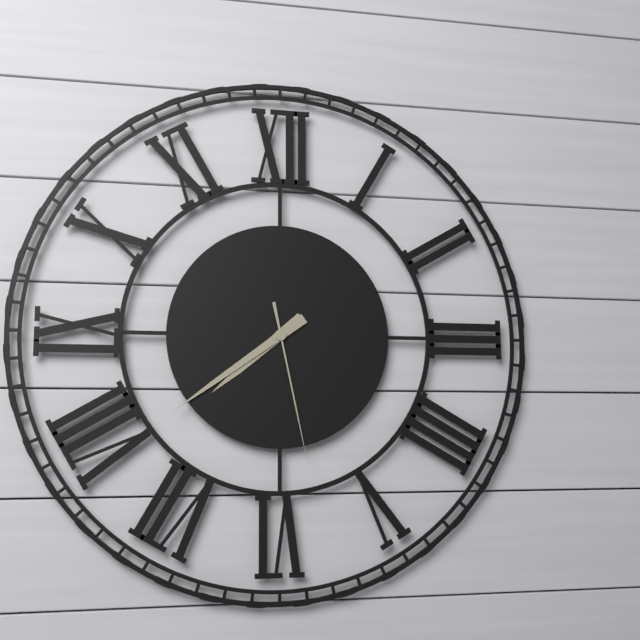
h=7 m=39 s=28
